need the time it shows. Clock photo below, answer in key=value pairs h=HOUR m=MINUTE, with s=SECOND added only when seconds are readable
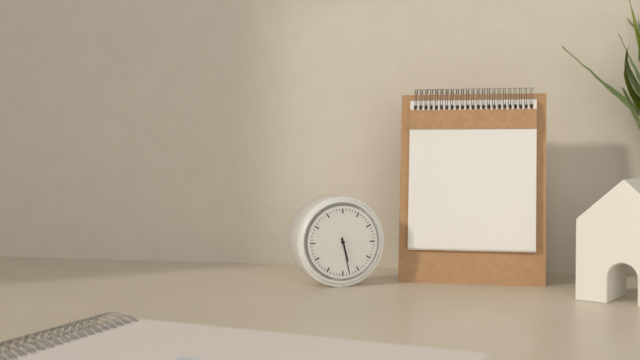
h=5 m=28
